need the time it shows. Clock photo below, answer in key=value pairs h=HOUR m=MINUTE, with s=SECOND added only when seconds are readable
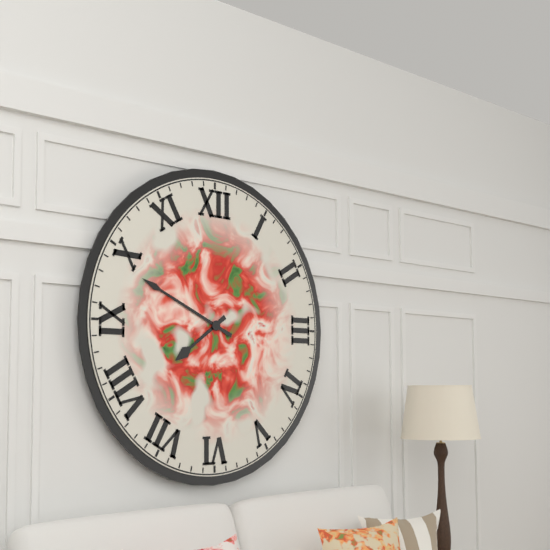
h=7 m=49
